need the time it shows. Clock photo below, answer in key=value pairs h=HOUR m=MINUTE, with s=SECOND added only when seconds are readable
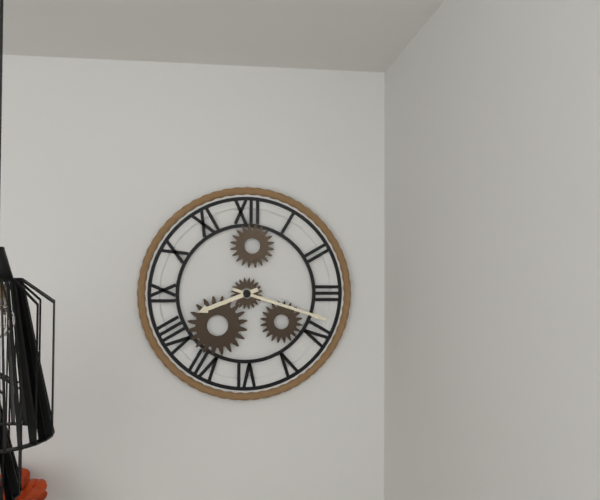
h=8 m=18
